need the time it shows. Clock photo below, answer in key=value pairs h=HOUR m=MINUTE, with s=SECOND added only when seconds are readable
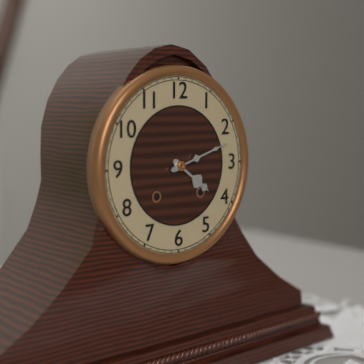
h=4 m=12
